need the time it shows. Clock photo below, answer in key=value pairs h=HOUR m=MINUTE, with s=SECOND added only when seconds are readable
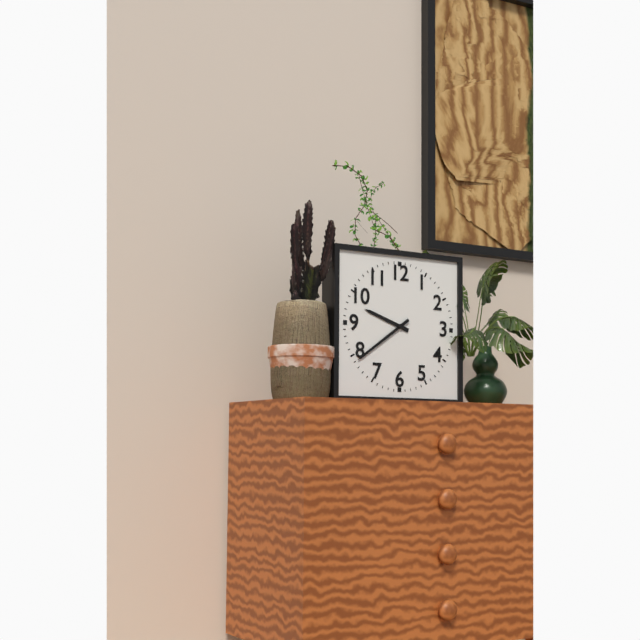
h=9 m=39
